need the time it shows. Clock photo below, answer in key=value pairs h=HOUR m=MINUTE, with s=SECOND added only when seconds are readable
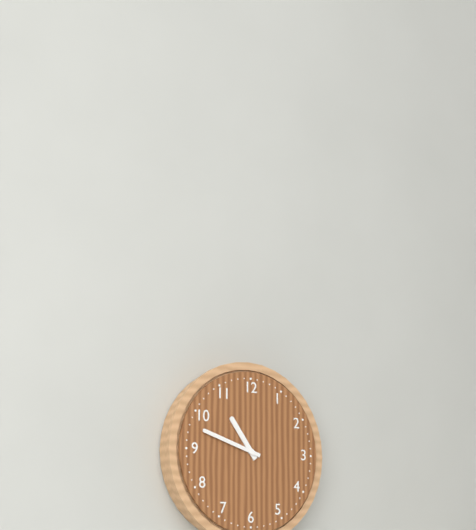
h=10 m=48
